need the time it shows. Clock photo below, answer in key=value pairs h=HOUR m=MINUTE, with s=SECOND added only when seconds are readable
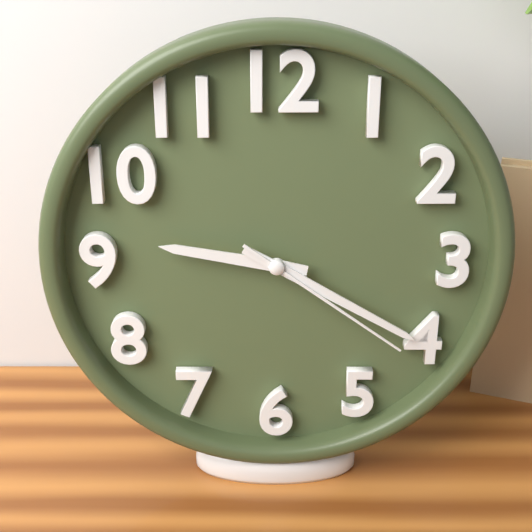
h=9 m=20 s=21
